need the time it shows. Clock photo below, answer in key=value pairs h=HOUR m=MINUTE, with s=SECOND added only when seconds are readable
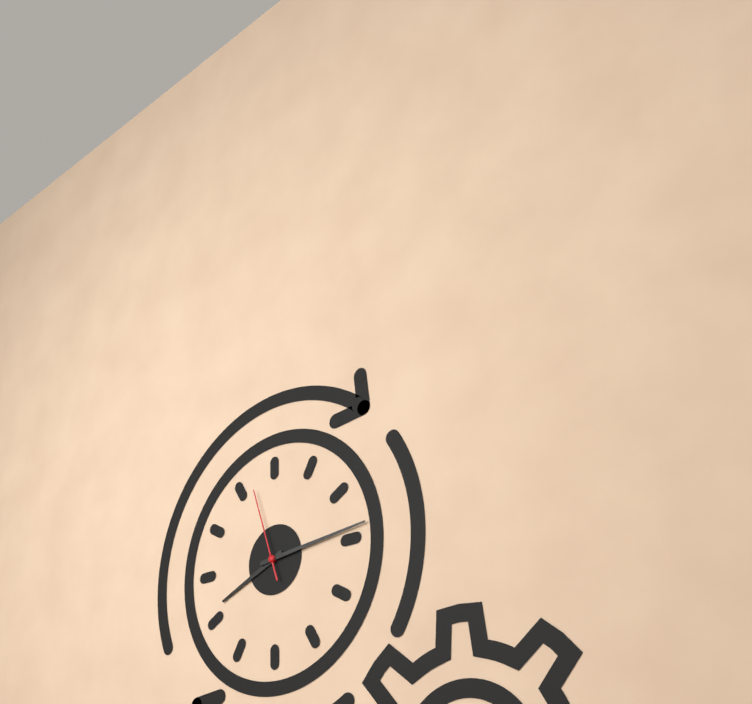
h=8 m=14 s=57
